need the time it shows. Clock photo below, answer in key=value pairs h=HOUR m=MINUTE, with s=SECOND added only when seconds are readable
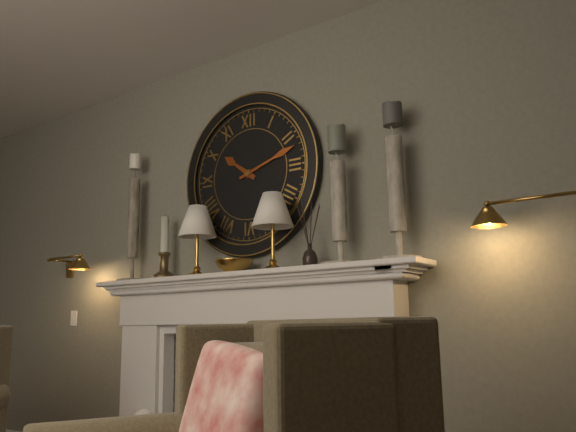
h=10 m=12
